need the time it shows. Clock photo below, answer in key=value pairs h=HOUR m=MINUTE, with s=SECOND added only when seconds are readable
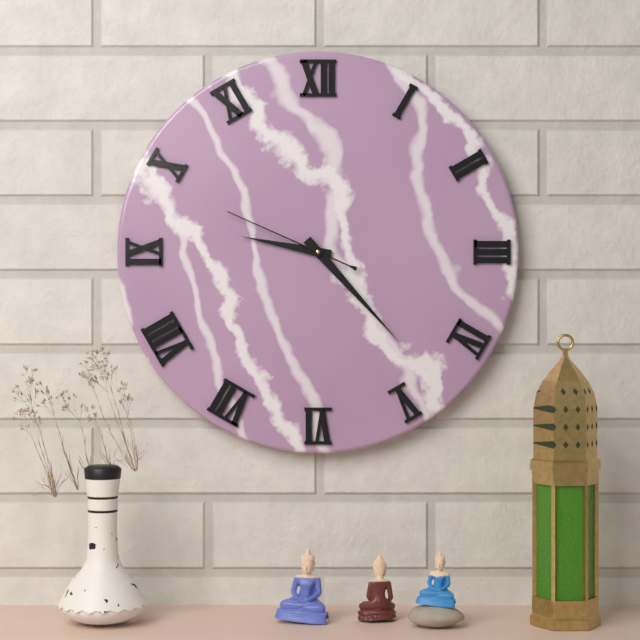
h=9 m=23 s=49
